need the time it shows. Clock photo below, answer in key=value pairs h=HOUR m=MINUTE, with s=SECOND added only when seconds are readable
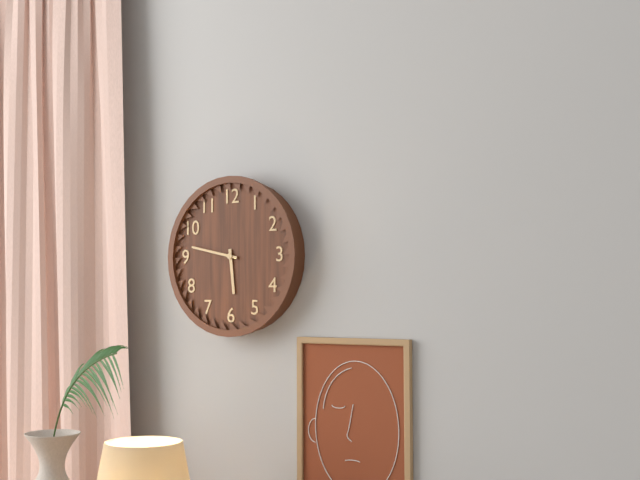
h=5 m=47
